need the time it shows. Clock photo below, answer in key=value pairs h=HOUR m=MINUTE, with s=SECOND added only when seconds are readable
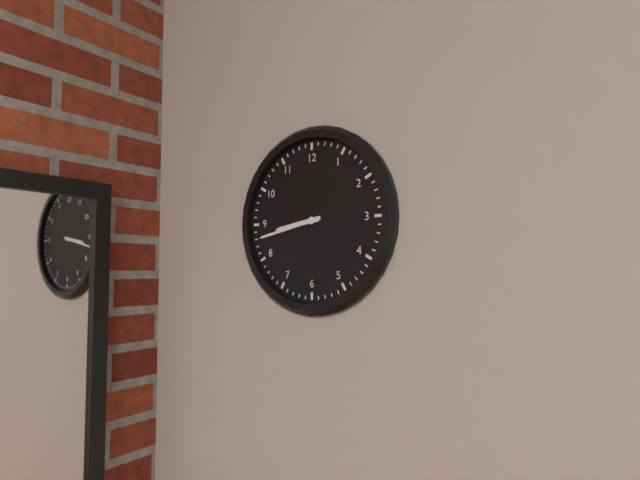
h=8 m=43
